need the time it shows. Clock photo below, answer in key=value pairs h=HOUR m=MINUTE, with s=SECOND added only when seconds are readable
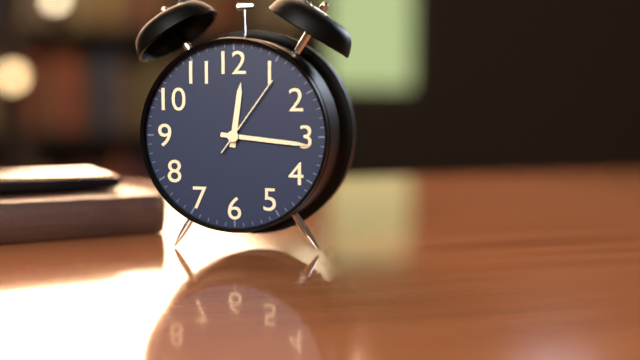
h=12 m=16 s=6
